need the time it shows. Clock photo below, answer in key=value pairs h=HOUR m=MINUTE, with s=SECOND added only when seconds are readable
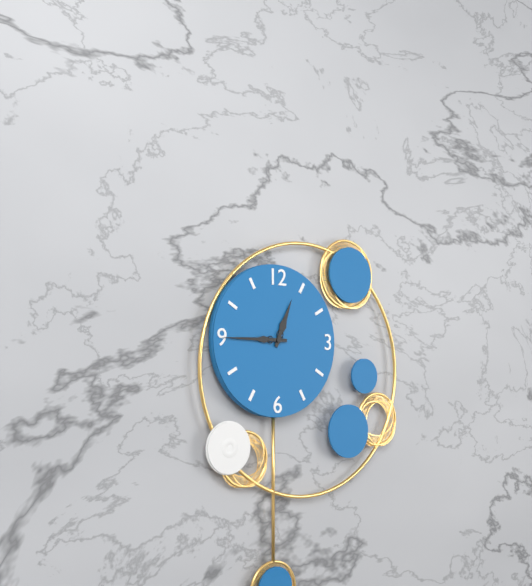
h=12 m=45
